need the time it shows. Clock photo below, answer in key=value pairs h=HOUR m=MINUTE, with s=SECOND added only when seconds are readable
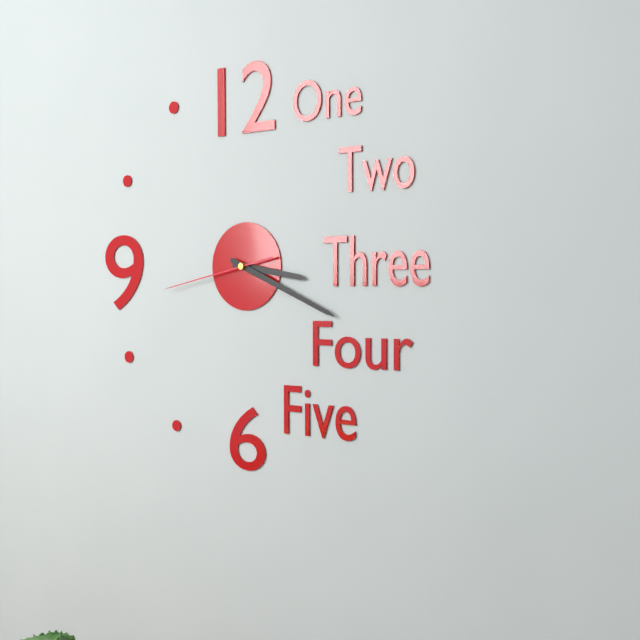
h=3 m=19 s=43
